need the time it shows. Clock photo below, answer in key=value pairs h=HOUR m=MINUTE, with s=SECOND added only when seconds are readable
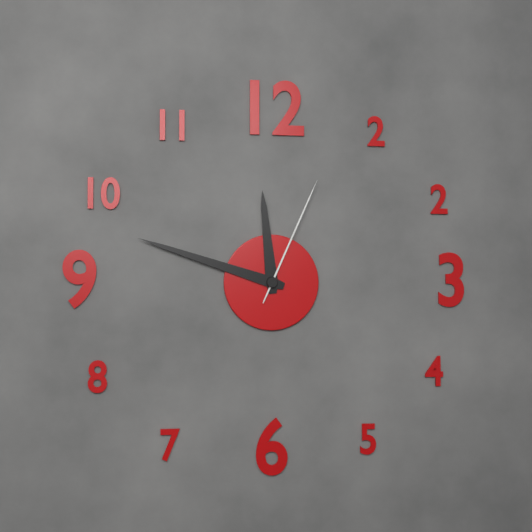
h=11 m=48 s=4
